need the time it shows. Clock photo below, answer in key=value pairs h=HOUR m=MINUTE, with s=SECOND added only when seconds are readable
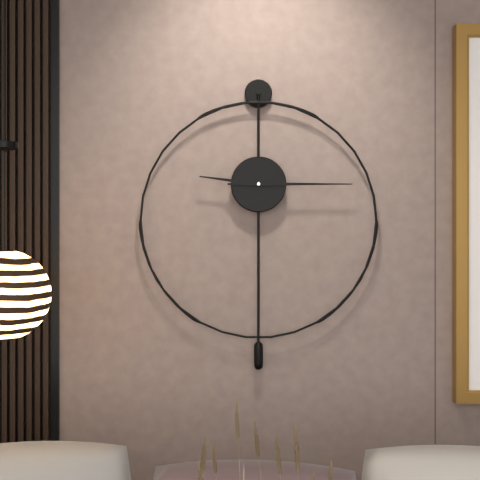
h=9 m=15
